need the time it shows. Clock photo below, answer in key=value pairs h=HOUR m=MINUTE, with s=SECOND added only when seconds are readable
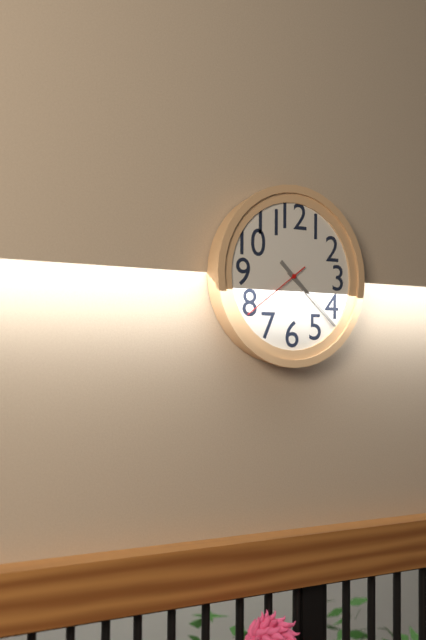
h=4 m=22 s=39
